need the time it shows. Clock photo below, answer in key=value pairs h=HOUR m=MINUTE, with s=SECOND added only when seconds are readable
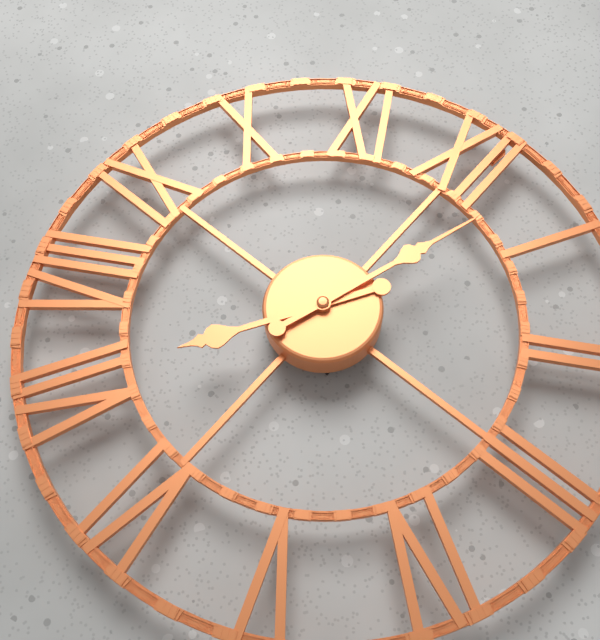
h=7 m=3
